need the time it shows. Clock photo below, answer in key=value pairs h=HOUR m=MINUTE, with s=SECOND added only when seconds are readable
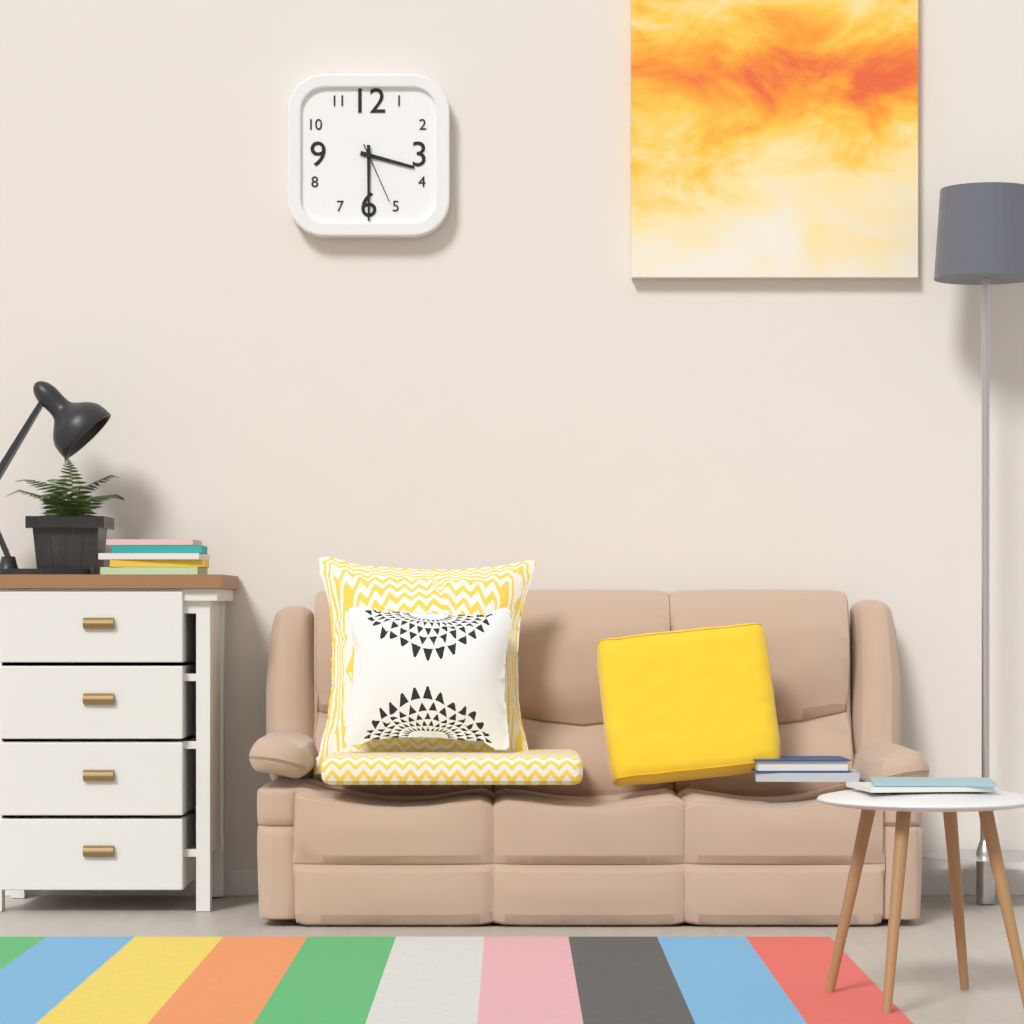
h=3 m=30 s=26
